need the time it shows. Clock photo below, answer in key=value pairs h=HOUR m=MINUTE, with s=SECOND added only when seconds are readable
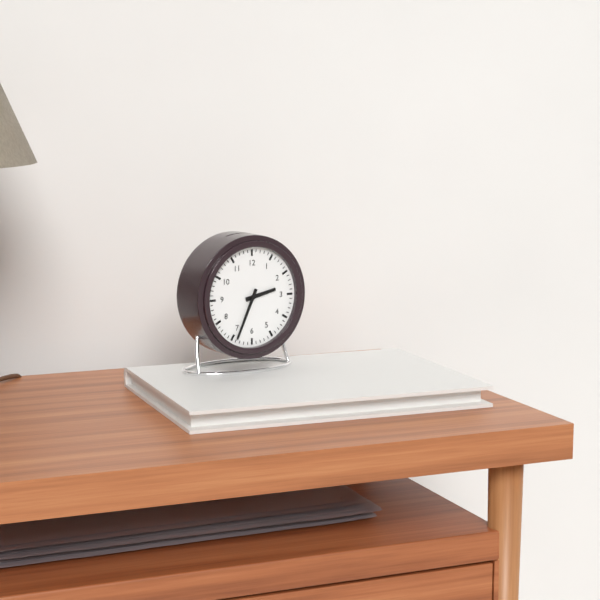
h=2 m=34
